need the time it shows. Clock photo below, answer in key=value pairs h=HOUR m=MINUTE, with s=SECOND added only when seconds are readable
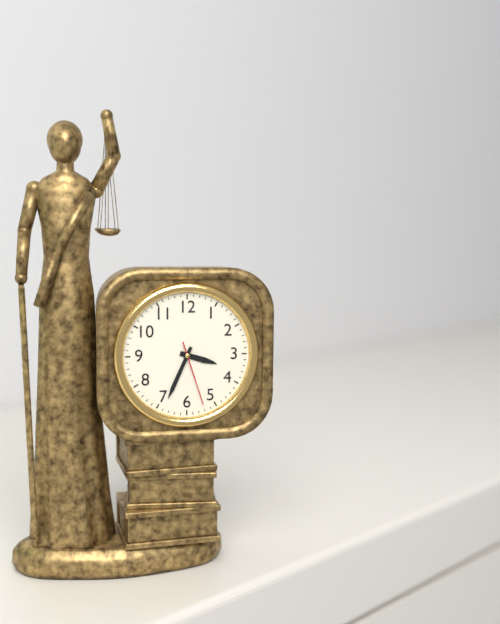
h=3 m=34 s=27
